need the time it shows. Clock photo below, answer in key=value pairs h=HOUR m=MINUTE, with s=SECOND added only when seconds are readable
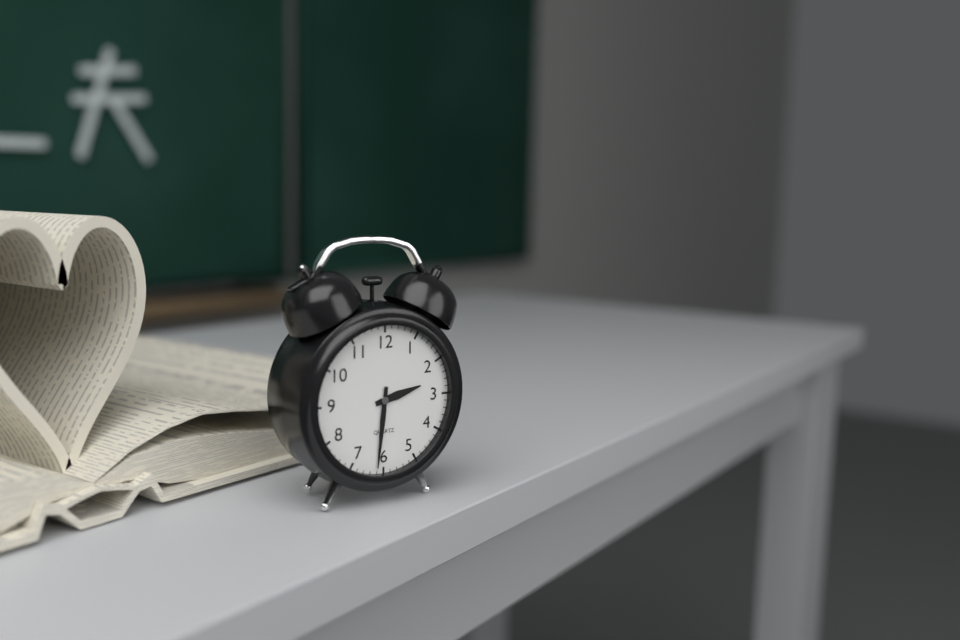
h=2 m=31
